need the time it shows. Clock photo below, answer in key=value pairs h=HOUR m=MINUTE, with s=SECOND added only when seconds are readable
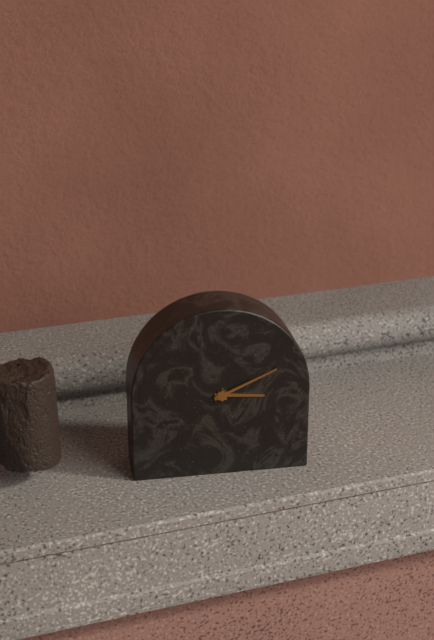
h=3 m=11
